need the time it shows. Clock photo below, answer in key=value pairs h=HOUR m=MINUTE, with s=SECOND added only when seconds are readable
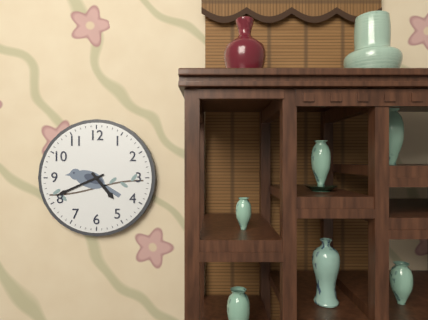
h=4 m=41
